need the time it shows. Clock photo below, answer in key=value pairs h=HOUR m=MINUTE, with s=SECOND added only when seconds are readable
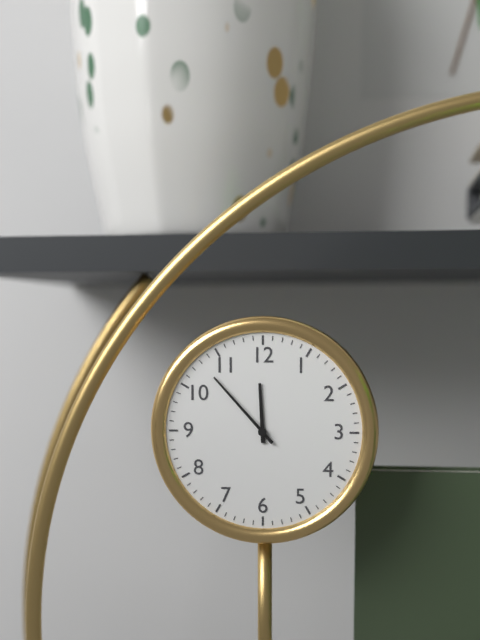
h=11 m=53
